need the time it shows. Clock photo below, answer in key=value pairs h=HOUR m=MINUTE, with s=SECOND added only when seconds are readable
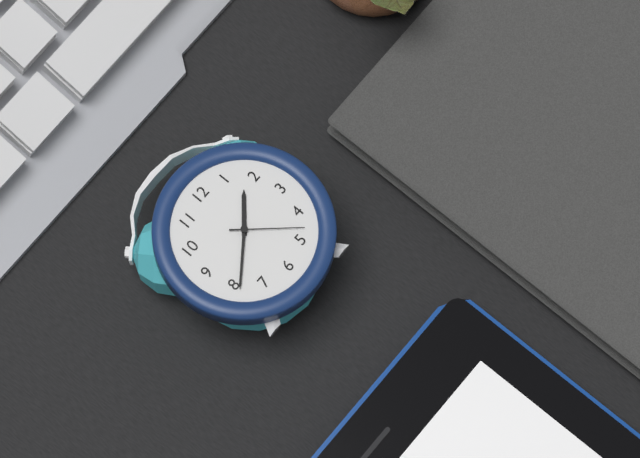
h=1 m=39 s=23
